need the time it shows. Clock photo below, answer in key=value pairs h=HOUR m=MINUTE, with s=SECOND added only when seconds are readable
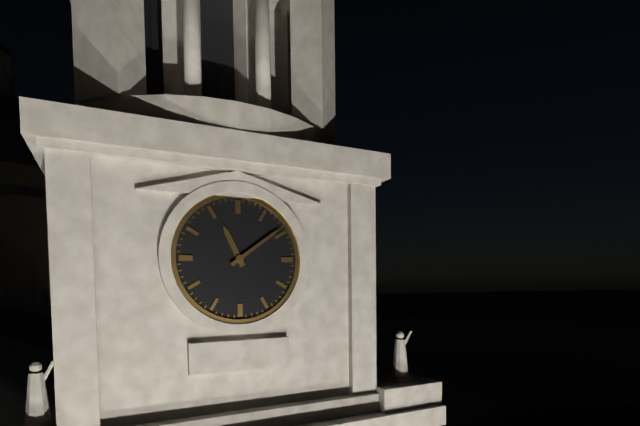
h=11 m=9
